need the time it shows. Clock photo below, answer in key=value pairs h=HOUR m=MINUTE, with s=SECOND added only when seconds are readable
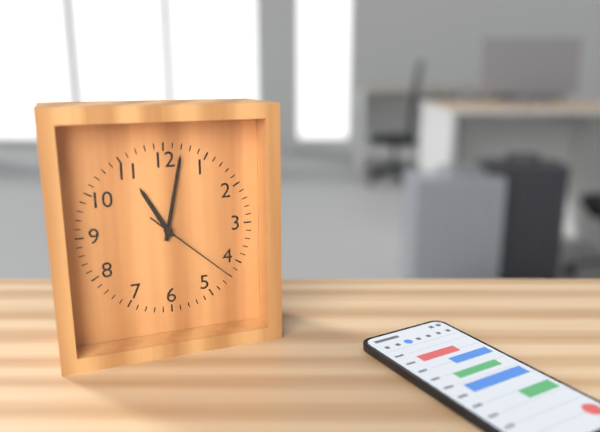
h=11 m=2 s=22
